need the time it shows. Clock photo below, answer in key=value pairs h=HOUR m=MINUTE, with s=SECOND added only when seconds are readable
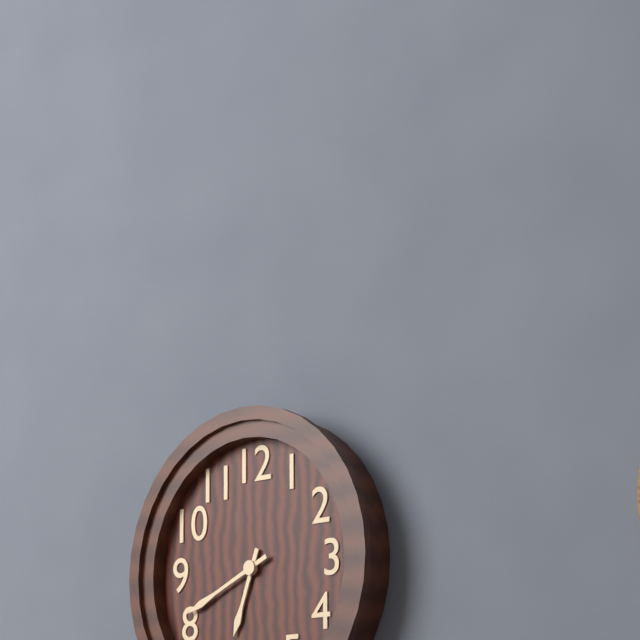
h=6 m=41
